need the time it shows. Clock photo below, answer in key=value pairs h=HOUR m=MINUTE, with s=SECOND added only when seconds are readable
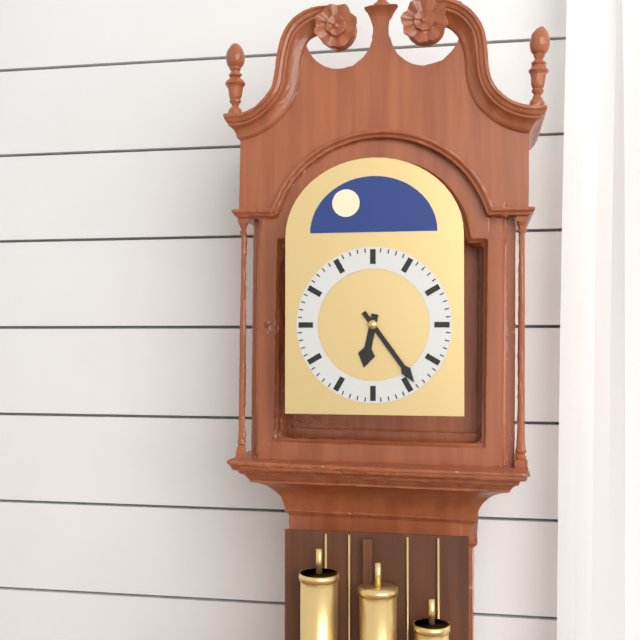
h=6 m=24
